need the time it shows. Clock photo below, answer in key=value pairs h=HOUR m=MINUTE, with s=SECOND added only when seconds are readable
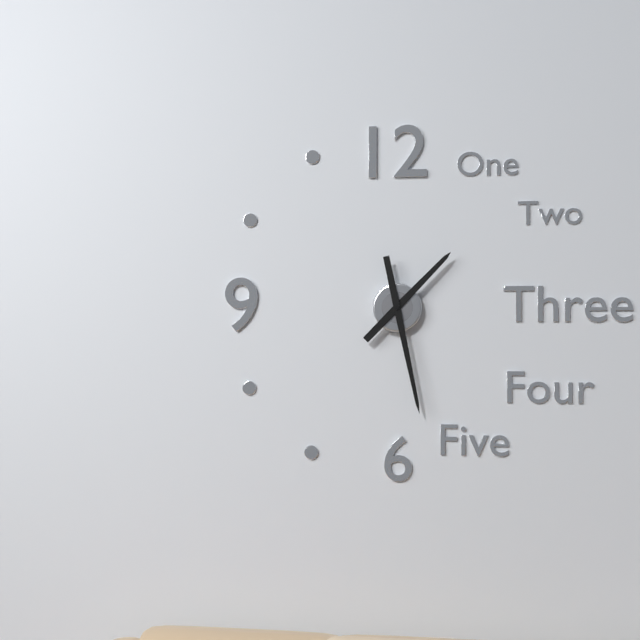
h=1 m=28
